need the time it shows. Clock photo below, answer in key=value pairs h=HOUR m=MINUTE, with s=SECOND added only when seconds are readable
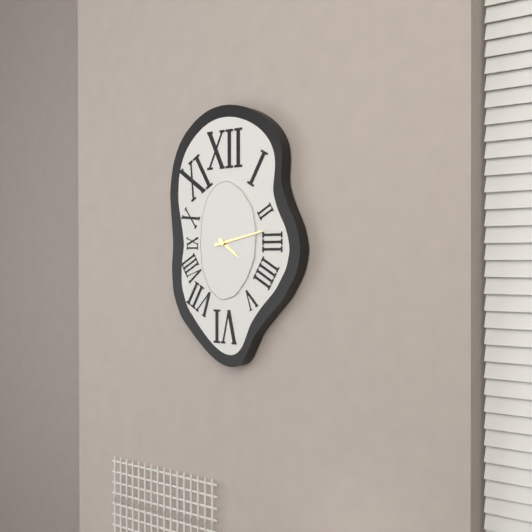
h=4 m=13
